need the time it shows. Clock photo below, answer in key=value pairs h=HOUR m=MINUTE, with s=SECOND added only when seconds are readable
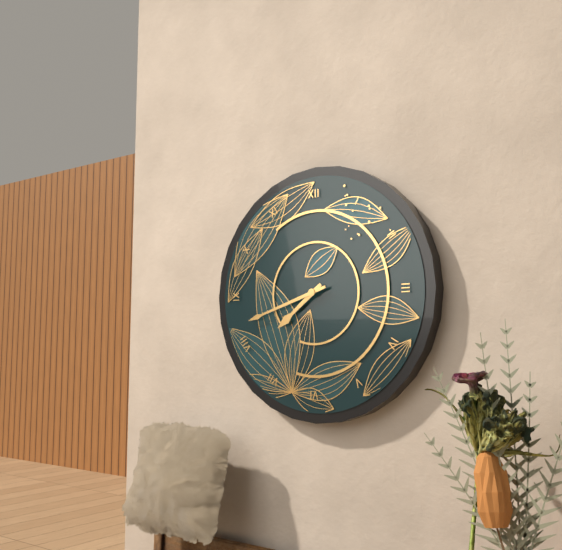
h=7 m=42
